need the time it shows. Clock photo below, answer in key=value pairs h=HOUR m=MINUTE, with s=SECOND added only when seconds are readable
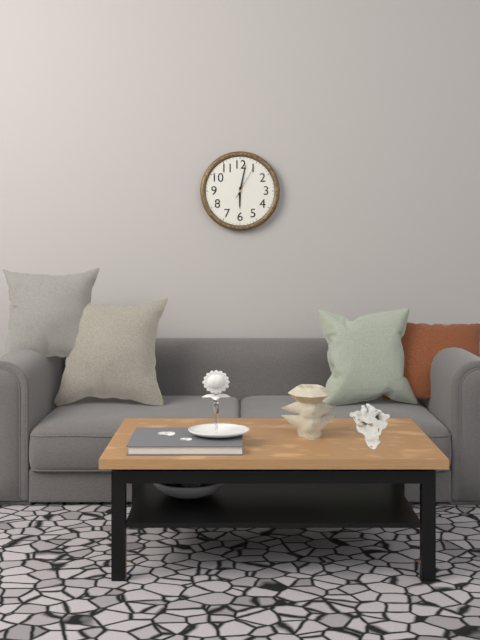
h=6 m=2
